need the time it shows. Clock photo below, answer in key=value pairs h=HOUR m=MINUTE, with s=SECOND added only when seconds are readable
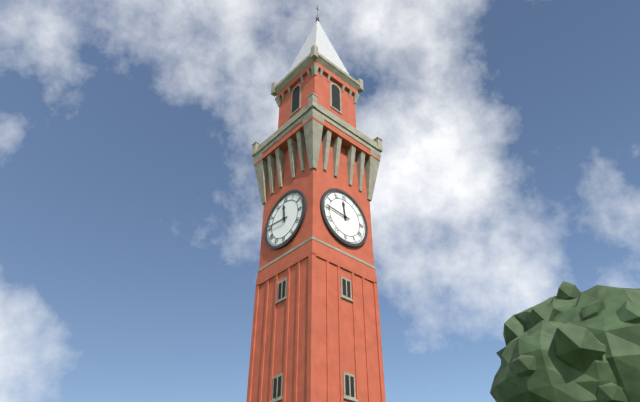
h=11 m=46
